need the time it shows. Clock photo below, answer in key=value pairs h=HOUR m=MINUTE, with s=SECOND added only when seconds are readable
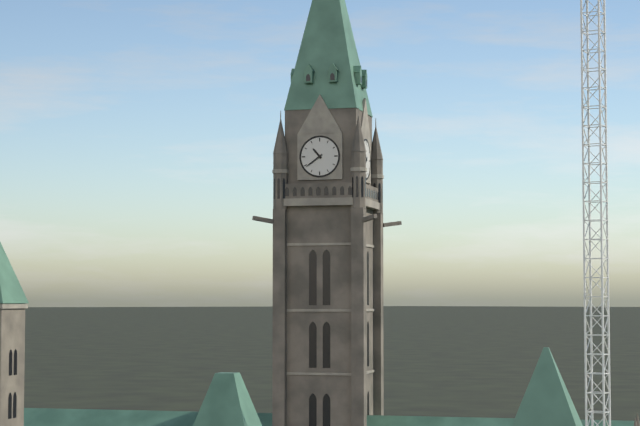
h=10 m=39
